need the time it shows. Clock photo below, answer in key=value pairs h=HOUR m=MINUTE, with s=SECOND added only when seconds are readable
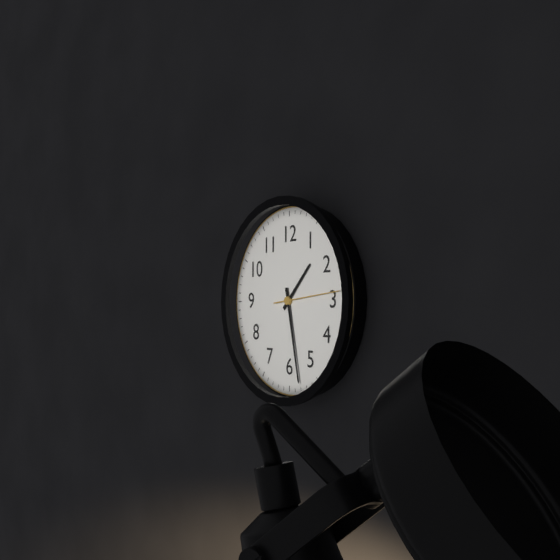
h=1 m=28 s=14
